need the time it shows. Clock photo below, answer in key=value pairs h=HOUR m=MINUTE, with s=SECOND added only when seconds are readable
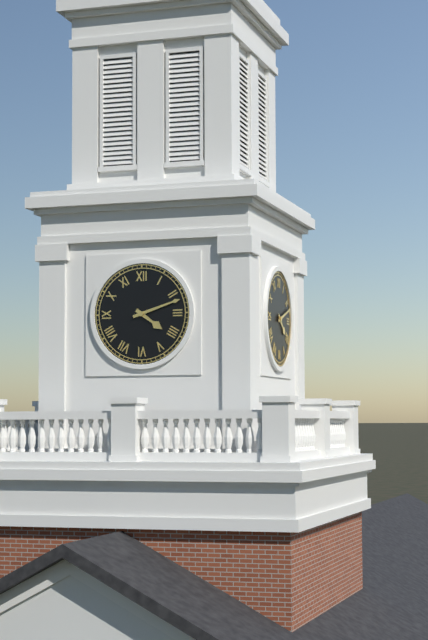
h=4 m=12
